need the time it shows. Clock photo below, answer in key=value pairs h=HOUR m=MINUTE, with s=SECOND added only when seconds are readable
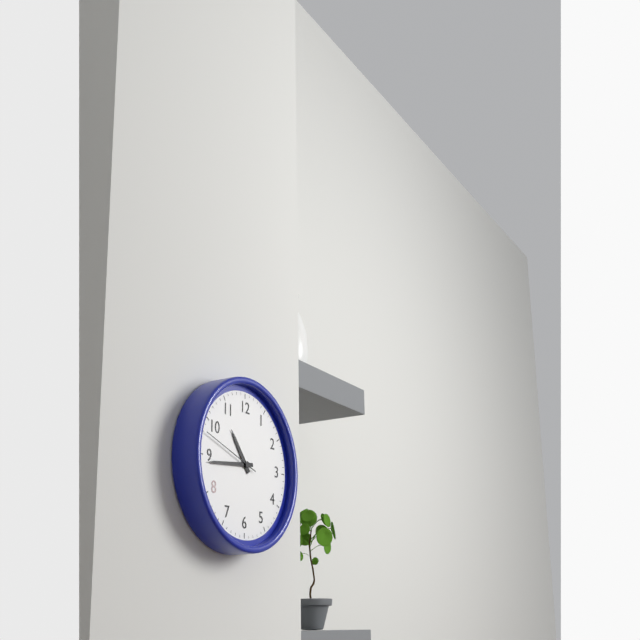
h=10 m=44 s=48
